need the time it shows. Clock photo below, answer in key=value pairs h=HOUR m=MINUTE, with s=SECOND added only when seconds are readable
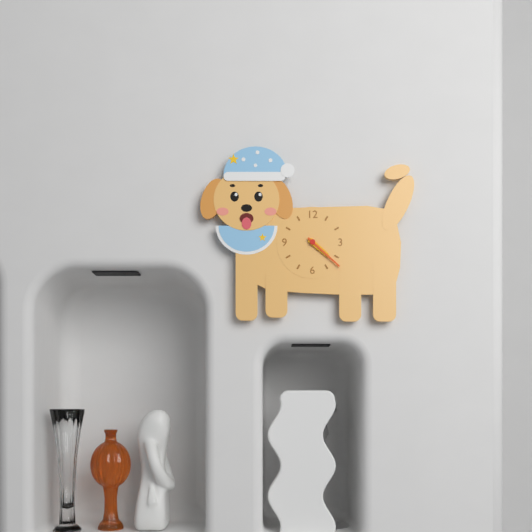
h=4 m=22
